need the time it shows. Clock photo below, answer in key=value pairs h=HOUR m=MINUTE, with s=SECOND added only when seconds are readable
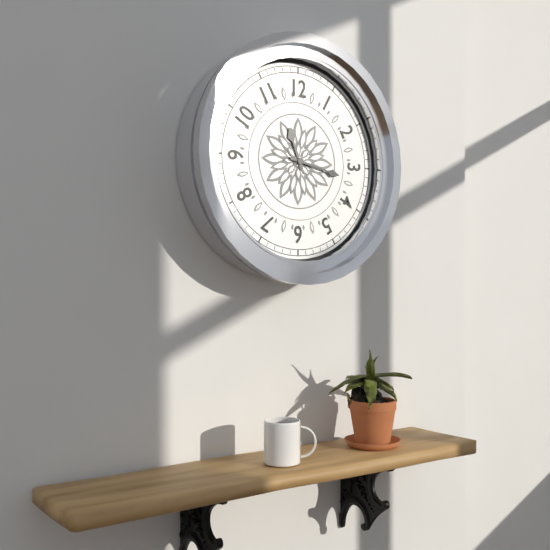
h=11 m=17
